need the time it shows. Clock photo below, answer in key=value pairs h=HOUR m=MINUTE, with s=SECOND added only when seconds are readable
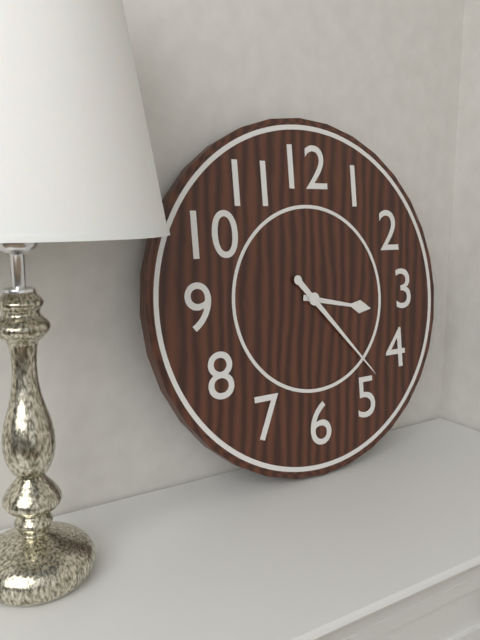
h=3 m=23
